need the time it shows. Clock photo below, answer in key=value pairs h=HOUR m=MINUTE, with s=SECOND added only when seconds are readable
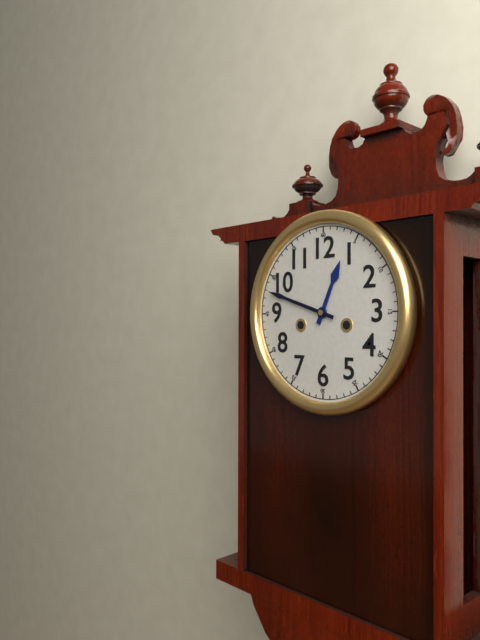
h=12 m=48
